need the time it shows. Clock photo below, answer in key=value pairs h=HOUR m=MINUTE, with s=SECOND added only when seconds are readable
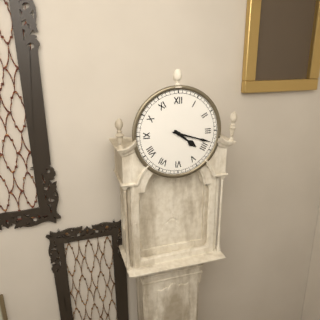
h=4 m=18
